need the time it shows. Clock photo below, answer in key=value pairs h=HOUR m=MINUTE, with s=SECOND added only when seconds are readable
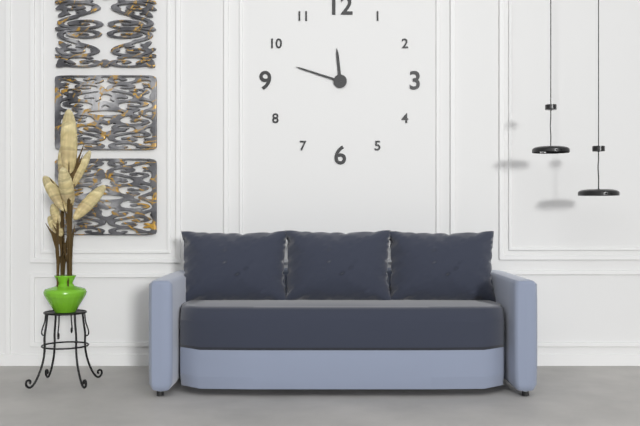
h=11 m=48
